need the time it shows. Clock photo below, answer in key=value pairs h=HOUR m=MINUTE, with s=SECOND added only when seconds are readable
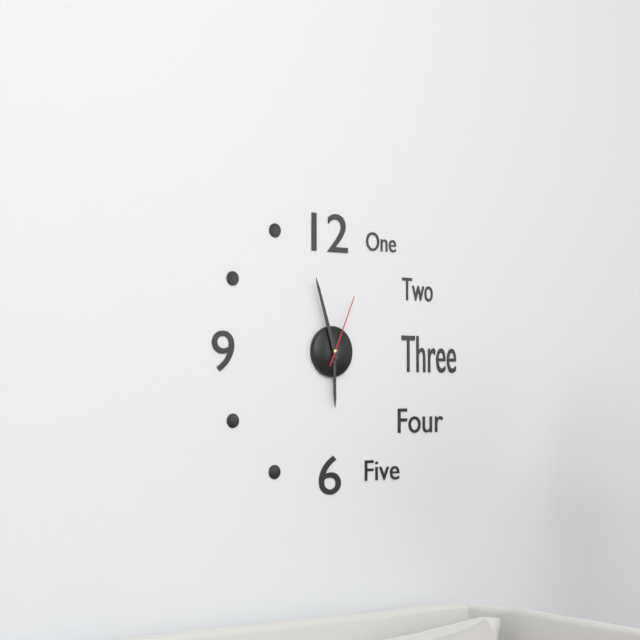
h=5 m=57 s=4
